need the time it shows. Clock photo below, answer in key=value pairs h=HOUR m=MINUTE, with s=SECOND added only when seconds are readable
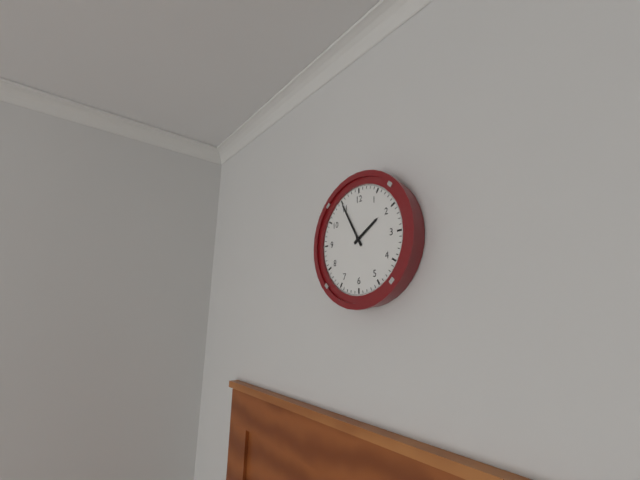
h=1 m=55
